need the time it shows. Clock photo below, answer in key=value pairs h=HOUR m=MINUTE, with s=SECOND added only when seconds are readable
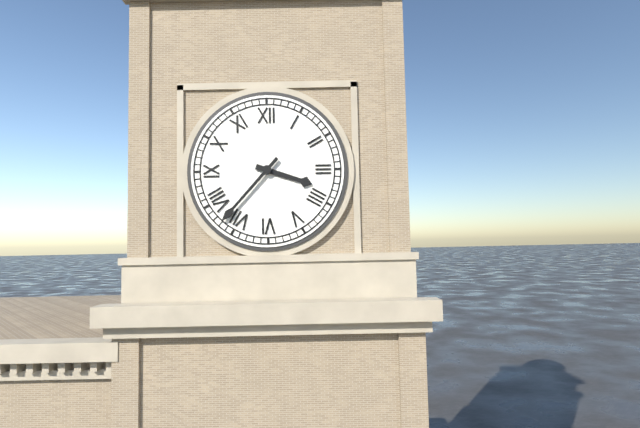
h=3 m=37
